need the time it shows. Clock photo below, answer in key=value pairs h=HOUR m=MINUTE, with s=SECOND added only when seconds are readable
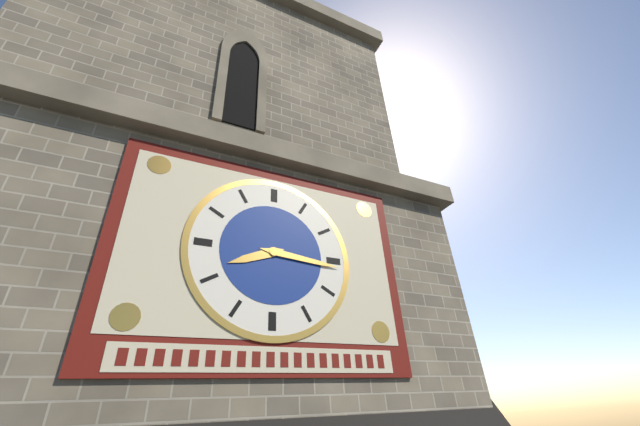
h=8 m=16
